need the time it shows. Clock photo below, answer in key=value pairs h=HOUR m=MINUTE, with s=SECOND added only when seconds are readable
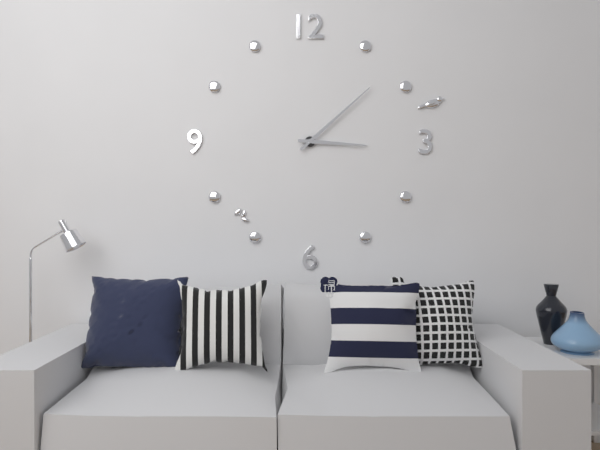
h=3 m=8
